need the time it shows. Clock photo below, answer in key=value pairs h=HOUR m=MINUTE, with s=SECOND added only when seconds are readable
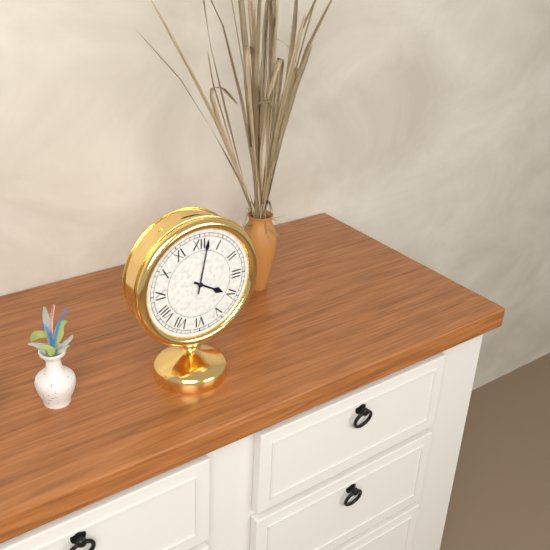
h=4 m=2
